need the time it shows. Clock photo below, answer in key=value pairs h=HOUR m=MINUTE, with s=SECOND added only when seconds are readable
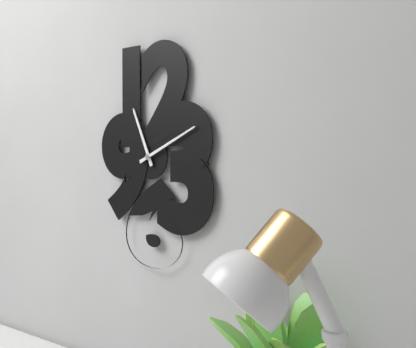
h=11 m=11
